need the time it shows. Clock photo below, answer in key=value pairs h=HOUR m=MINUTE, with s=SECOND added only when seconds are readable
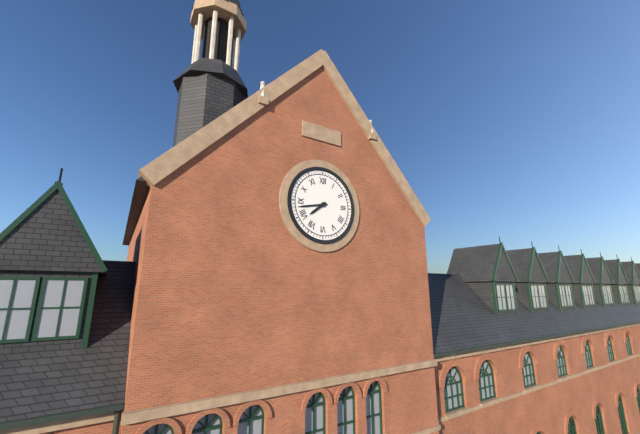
h=7 m=43
